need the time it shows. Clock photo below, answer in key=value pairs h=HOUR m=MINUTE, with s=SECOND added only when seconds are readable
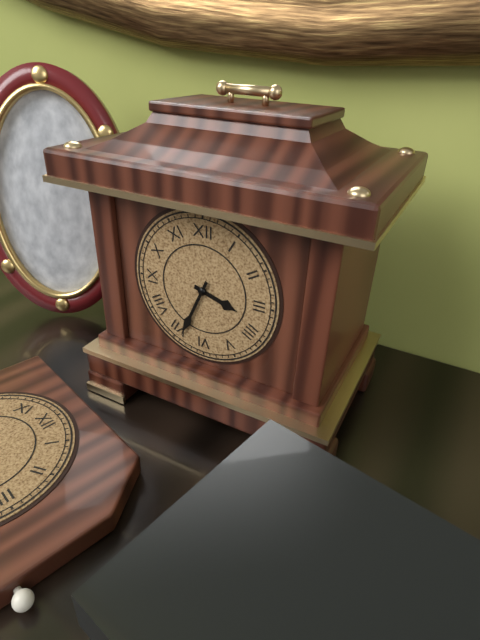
h=3 m=34
